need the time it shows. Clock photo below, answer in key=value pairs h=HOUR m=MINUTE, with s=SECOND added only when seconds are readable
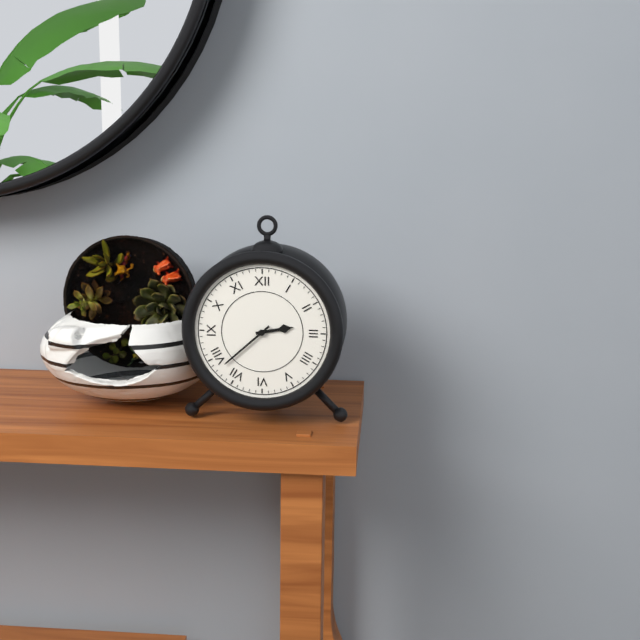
h=2 m=38
